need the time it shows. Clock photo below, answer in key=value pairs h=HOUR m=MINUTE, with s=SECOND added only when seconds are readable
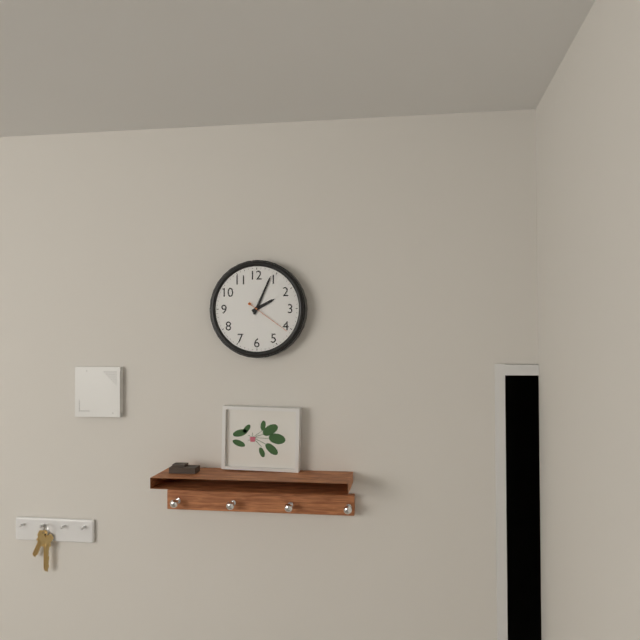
h=2 m=4
